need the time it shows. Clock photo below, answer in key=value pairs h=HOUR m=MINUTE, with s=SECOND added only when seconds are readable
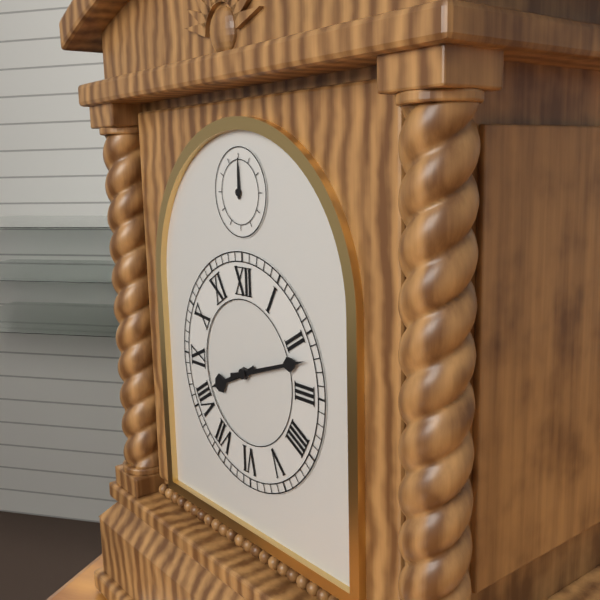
h=8 m=12
